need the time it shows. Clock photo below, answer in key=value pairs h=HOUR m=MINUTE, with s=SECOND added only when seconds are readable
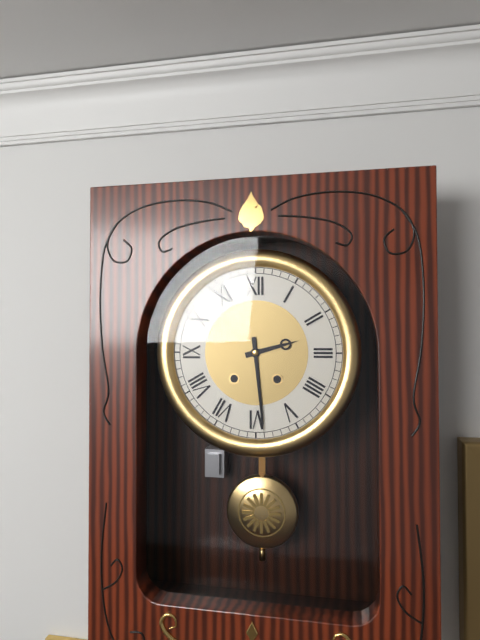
h=2 m=29
